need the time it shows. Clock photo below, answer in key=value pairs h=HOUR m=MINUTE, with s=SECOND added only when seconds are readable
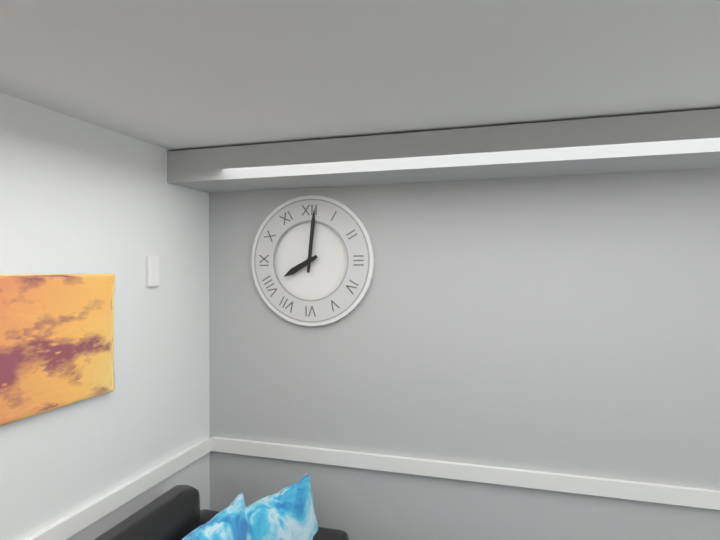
h=8 m=1
